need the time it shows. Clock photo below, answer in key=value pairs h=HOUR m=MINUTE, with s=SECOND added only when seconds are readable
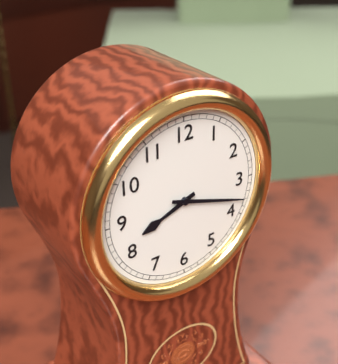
h=8 m=18
